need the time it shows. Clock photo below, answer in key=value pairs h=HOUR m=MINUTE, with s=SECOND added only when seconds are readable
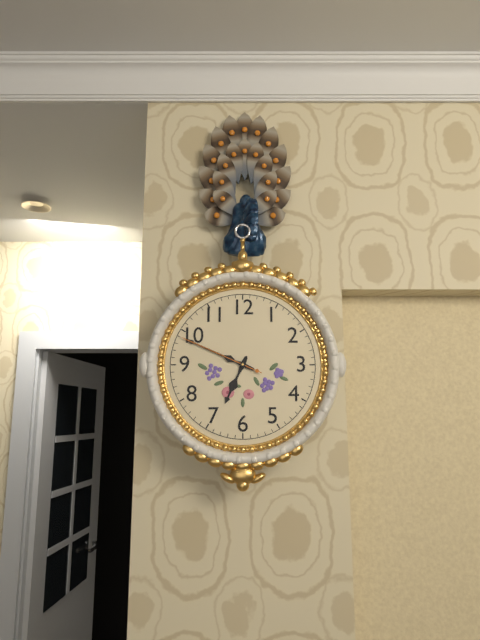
h=6 m=49 s=49
